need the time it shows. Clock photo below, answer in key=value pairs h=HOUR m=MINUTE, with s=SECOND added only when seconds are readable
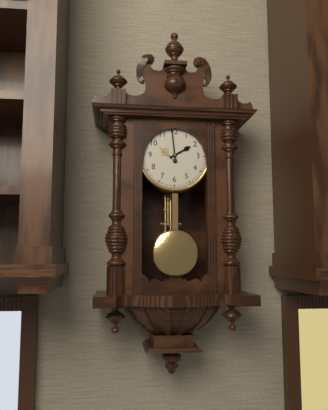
h=1 m=59
